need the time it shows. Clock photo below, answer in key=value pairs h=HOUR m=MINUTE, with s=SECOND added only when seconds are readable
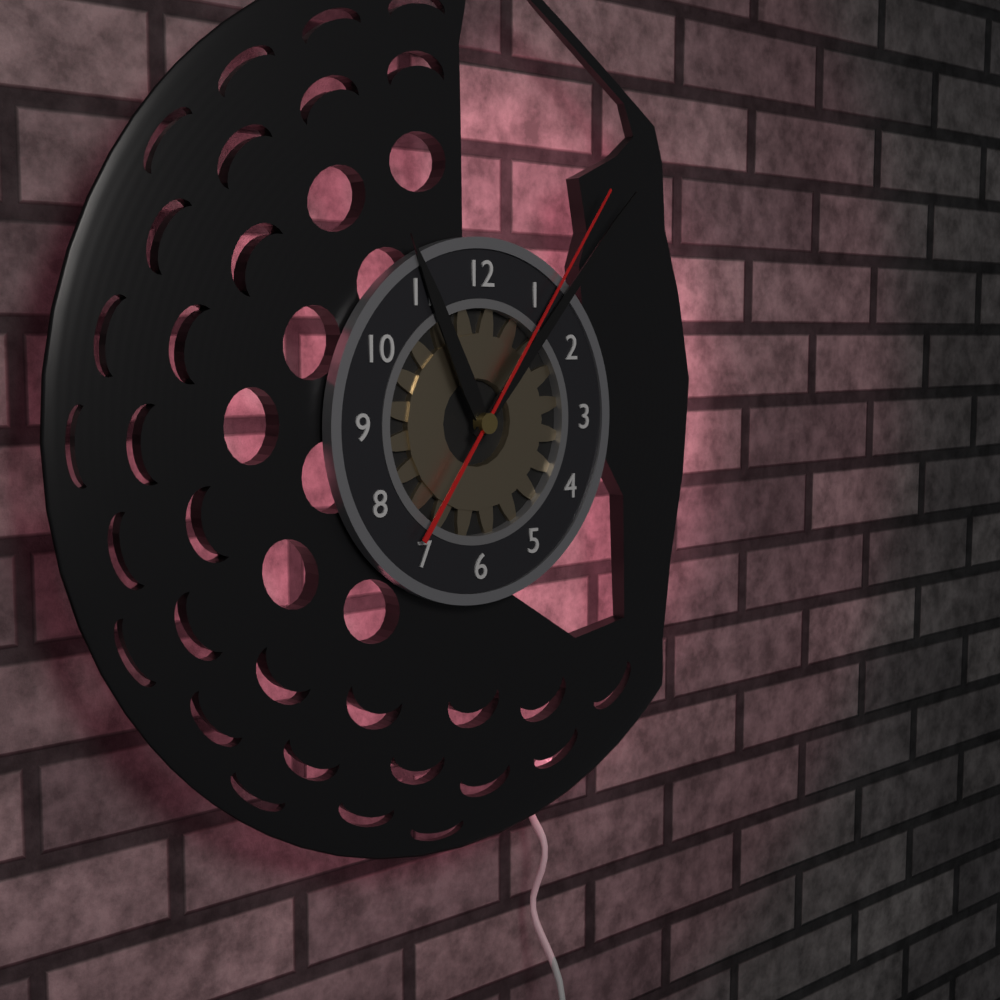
h=11 m=7 s=6
